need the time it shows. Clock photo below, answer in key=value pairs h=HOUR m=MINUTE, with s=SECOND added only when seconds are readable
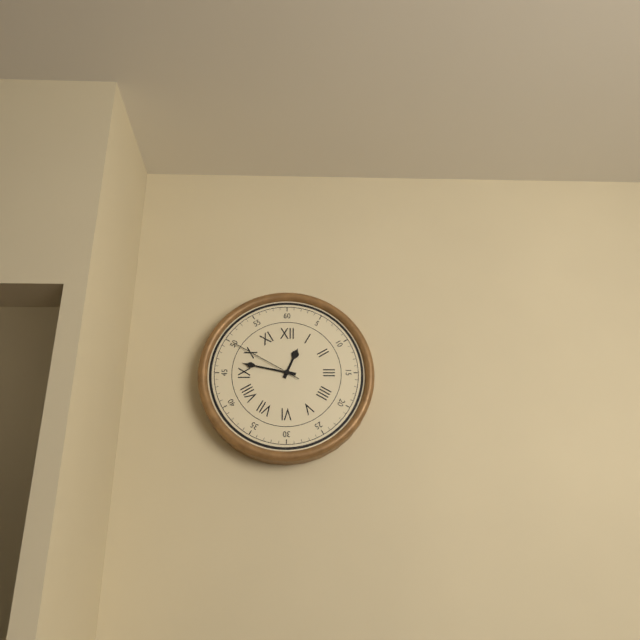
h=12 m=47 s=50
